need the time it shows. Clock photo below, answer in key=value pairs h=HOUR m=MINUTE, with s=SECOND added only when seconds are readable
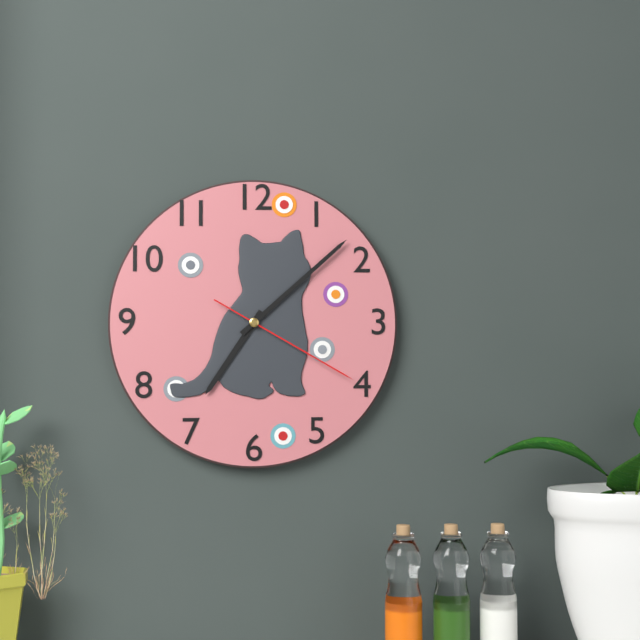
h=7 m=8 s=20
